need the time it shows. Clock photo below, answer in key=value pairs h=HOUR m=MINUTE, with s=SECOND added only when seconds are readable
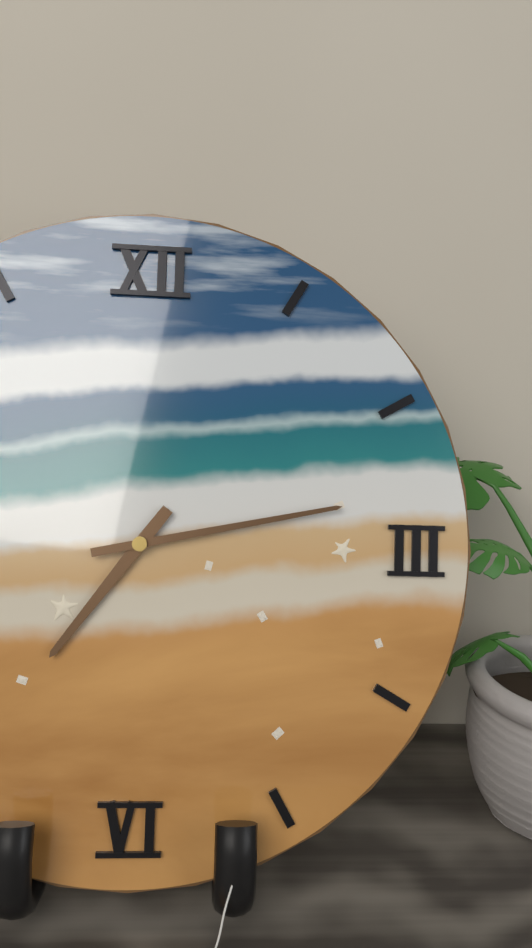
h=7 m=13
